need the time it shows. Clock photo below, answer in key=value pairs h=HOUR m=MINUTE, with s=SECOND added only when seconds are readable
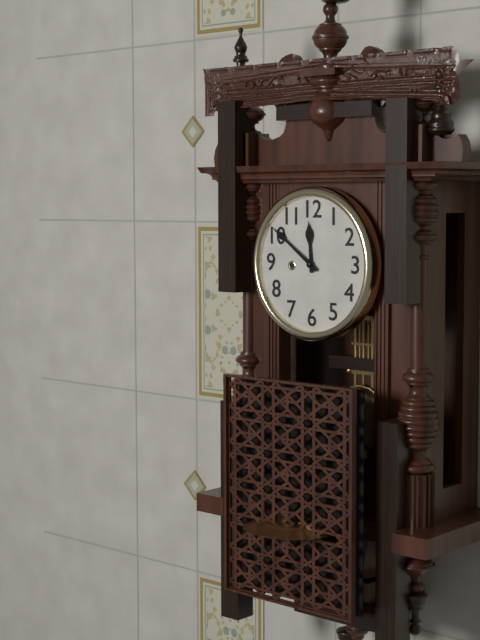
h=11 m=51
